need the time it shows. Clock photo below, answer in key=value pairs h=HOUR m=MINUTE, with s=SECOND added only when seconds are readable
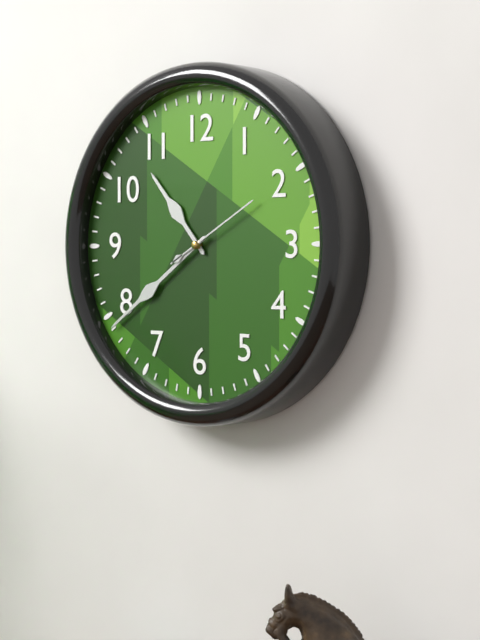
h=10 m=39 s=10
